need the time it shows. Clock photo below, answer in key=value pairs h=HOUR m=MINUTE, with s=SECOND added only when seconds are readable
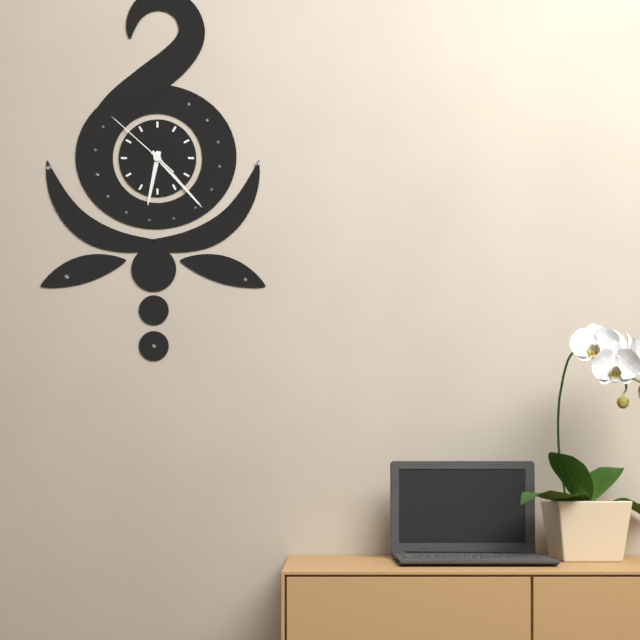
h=6 m=23 s=52
